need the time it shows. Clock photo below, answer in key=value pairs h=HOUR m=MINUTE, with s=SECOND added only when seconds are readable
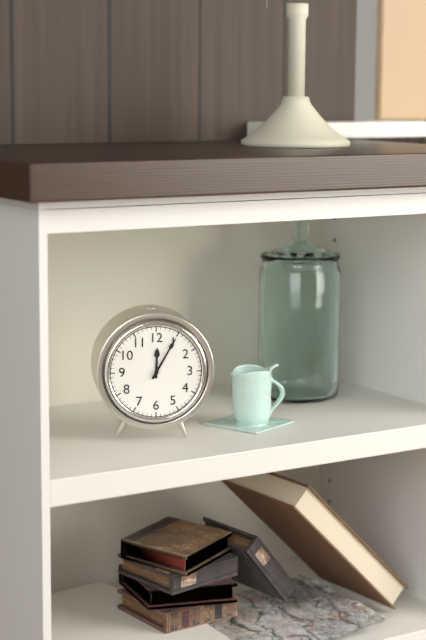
h=12 m=5
